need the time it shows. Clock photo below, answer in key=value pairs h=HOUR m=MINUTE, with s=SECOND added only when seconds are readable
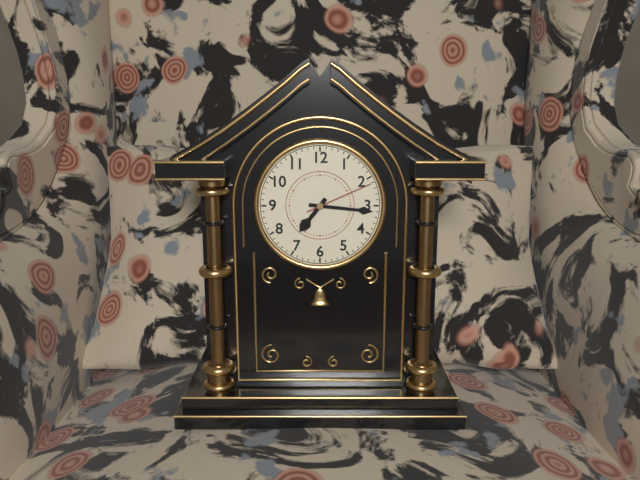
h=7 m=16 s=11
